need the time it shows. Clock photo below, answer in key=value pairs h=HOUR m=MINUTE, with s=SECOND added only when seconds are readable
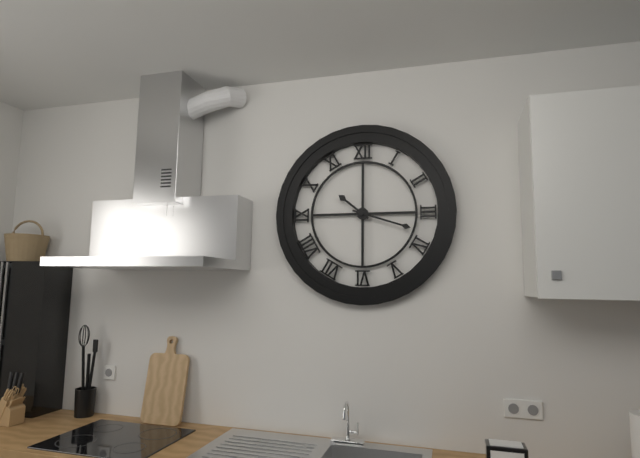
h=10 m=18
